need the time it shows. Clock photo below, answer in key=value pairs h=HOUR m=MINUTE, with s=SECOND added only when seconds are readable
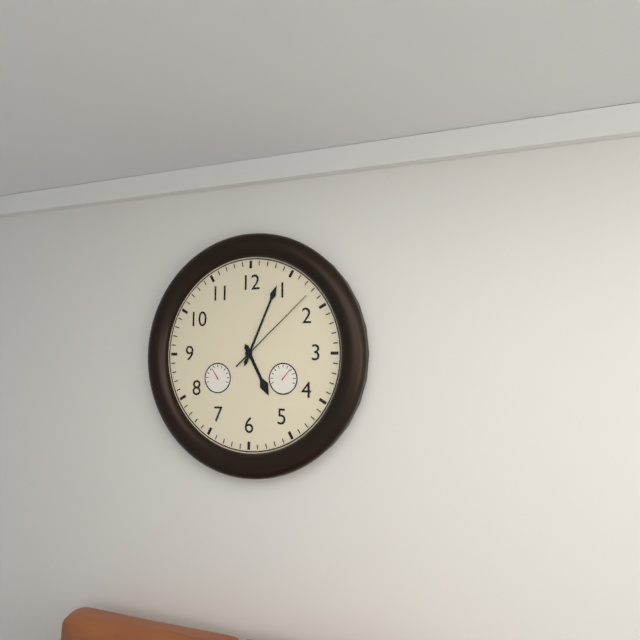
h=5 m=4 s=8
